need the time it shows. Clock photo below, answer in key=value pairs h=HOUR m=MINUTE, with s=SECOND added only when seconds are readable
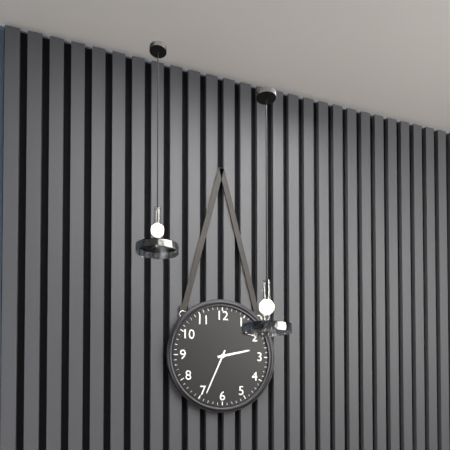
h=2 m=34
